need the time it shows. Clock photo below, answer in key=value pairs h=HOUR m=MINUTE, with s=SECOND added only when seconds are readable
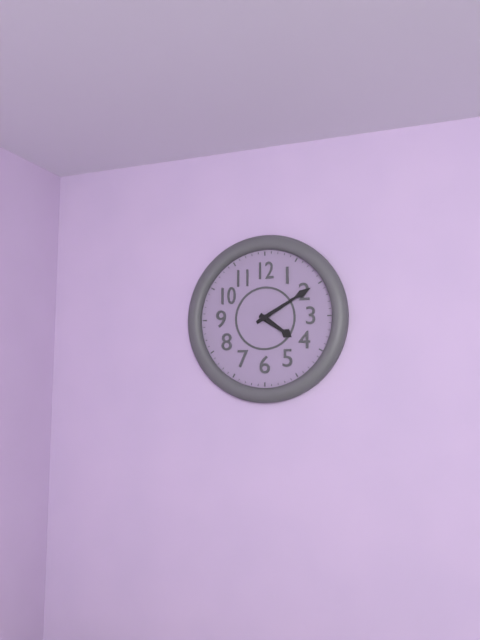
h=4 m=10
